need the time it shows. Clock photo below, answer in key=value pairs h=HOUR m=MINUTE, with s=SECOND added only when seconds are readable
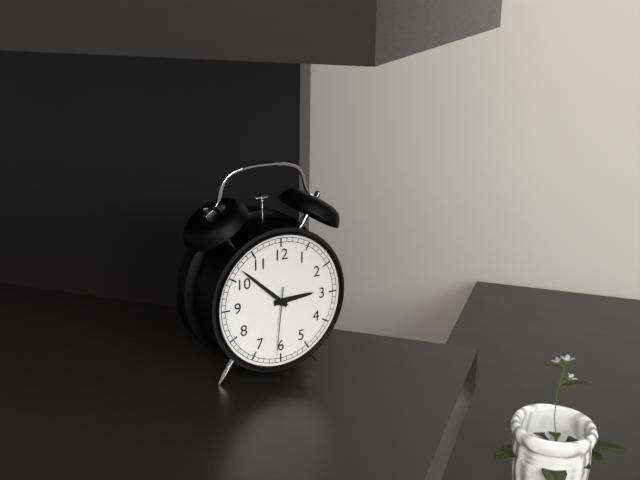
h=2 m=52 s=31
